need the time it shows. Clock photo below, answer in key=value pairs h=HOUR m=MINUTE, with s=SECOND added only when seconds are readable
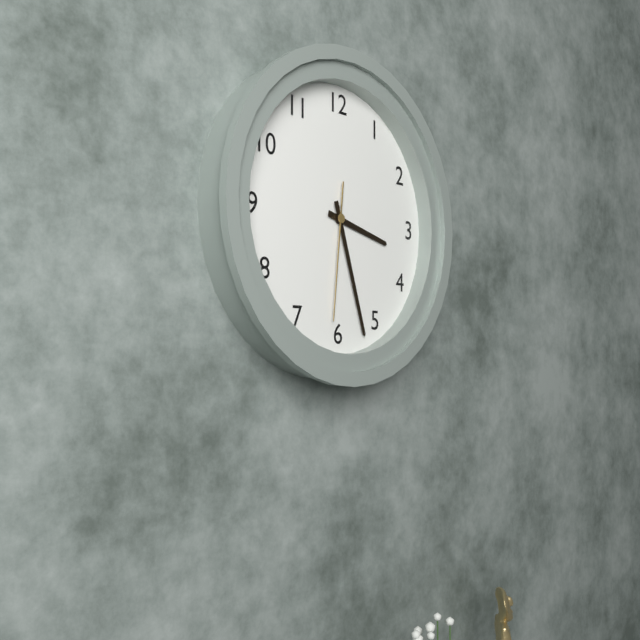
h=3 m=27 s=31
